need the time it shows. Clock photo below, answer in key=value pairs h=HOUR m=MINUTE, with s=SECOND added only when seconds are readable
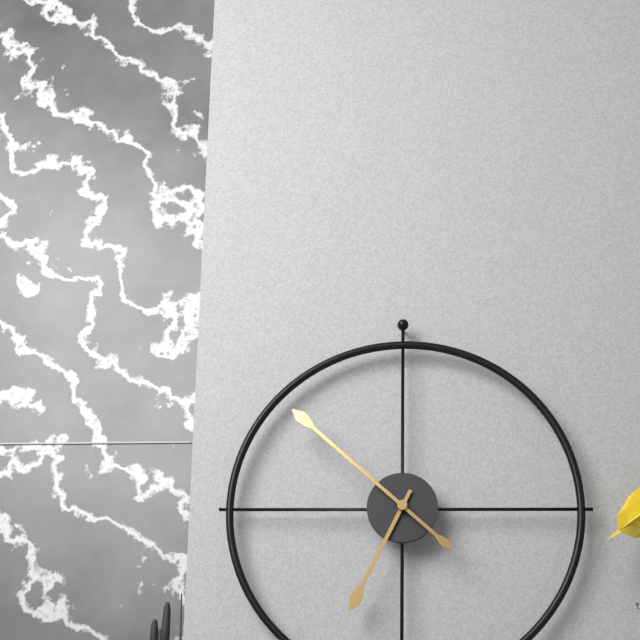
h=6 m=52
